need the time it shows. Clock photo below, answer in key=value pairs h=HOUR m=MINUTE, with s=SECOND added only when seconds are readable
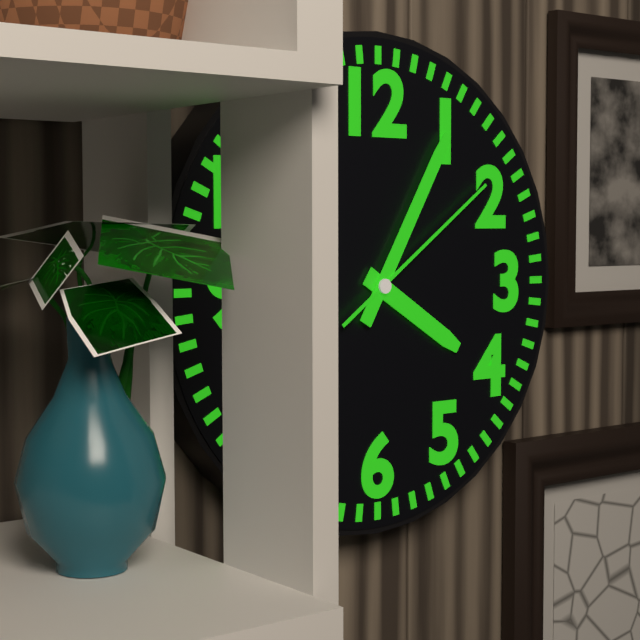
h=4 m=5 s=9
